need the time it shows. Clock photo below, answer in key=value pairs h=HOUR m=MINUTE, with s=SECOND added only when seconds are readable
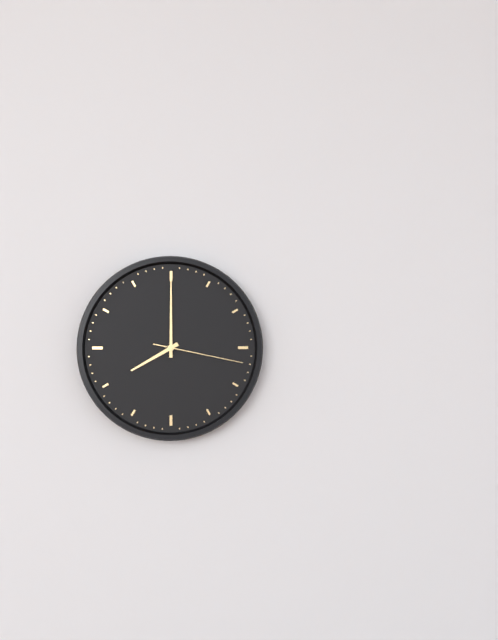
h=8 m=0 s=17
